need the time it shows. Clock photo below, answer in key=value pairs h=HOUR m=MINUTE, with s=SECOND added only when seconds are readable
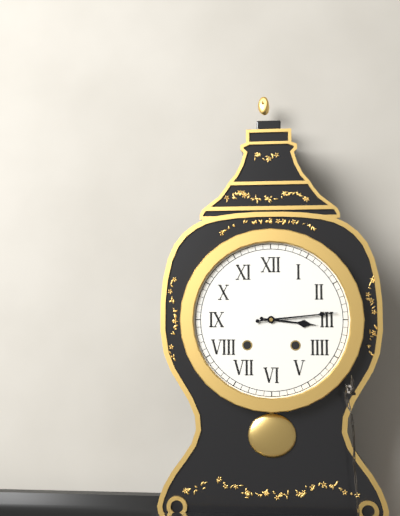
h=3 m=14
